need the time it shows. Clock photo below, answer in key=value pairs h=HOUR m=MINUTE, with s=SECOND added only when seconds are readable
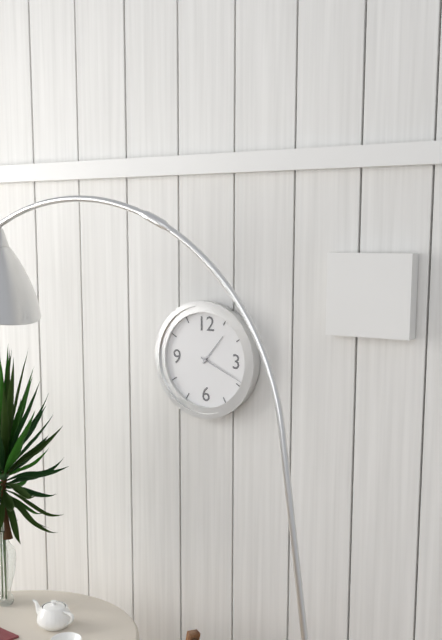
h=1 m=19
